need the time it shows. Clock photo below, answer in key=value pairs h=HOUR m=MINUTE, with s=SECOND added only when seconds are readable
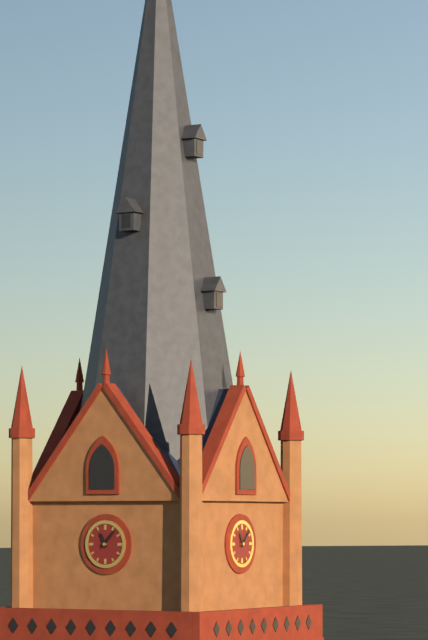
h=11 m=7
